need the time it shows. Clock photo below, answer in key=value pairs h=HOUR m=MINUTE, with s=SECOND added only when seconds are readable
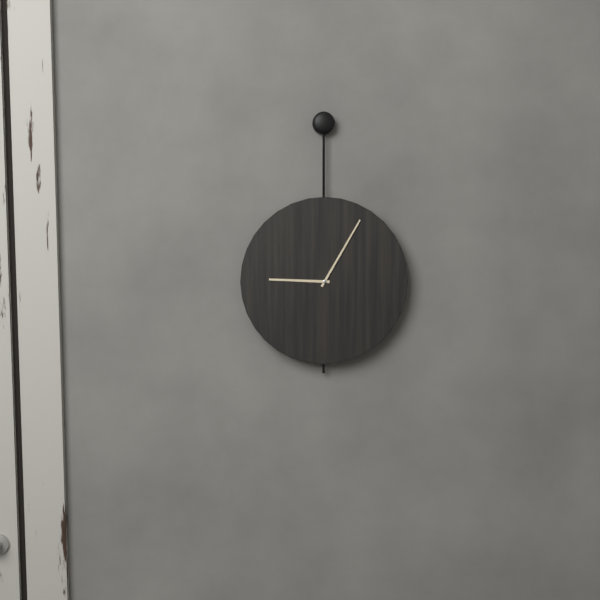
h=9 m=5
